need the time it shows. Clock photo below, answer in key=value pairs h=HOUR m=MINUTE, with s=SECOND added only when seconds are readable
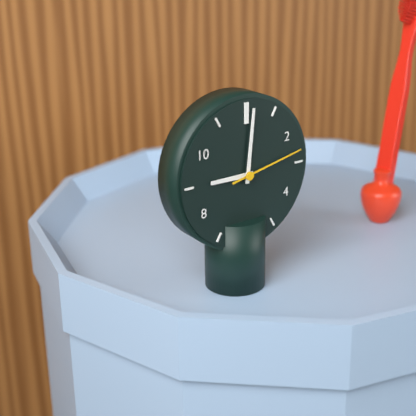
h=9 m=1 s=13
